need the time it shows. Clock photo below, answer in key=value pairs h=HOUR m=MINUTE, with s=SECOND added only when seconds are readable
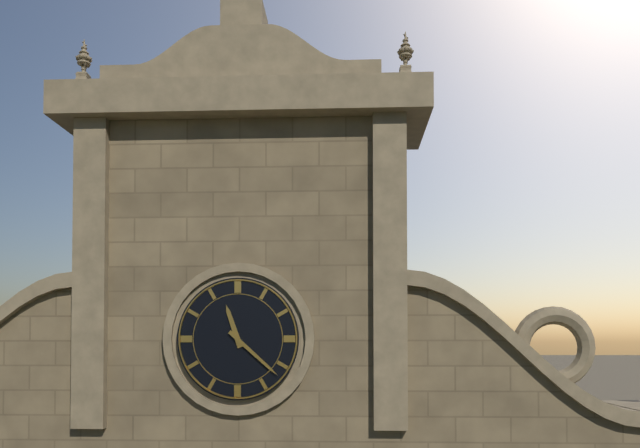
h=11 m=22
